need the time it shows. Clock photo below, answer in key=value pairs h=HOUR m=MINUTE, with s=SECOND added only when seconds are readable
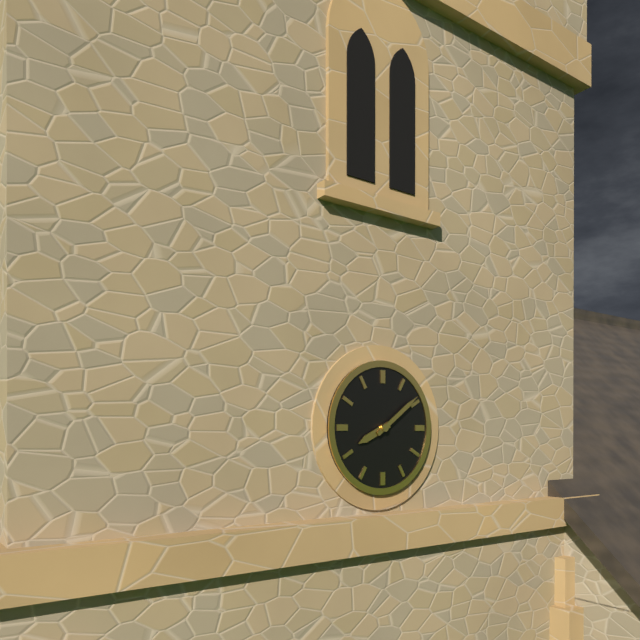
h=8 m=9
